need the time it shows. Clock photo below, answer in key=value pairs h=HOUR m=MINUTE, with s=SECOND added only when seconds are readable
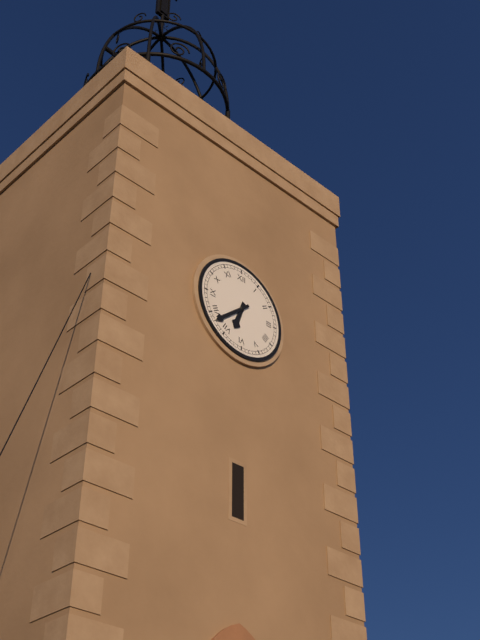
h=6 m=38
